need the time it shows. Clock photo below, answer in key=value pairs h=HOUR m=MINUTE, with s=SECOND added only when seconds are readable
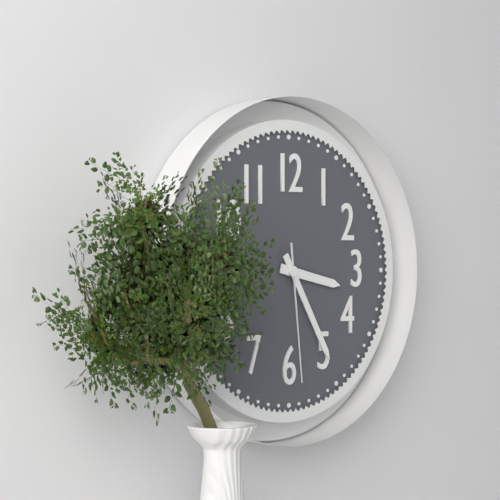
h=3 m=25 s=29
